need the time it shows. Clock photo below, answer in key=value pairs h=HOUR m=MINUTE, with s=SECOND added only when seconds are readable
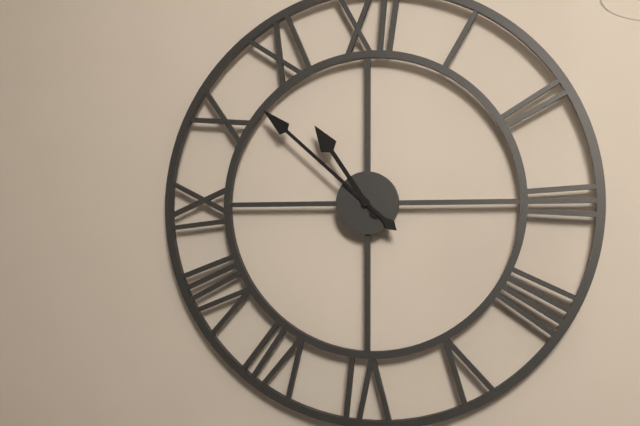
h=10 m=52
